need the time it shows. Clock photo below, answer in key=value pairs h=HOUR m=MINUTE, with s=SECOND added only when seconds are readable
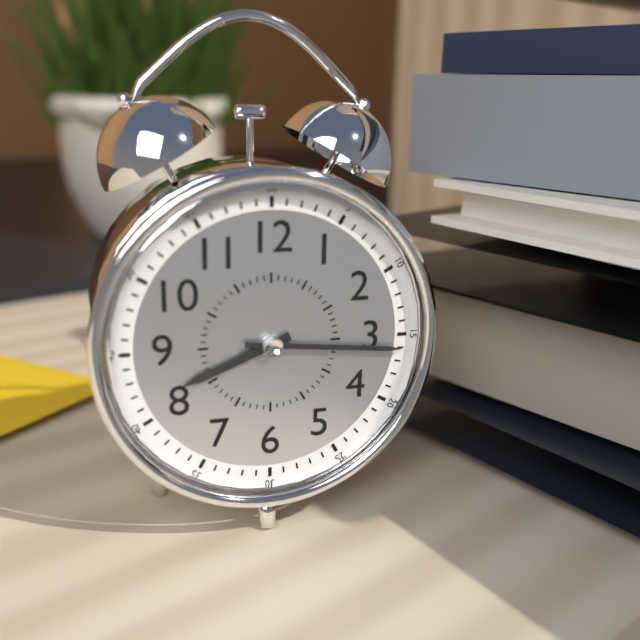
h=8 m=16
